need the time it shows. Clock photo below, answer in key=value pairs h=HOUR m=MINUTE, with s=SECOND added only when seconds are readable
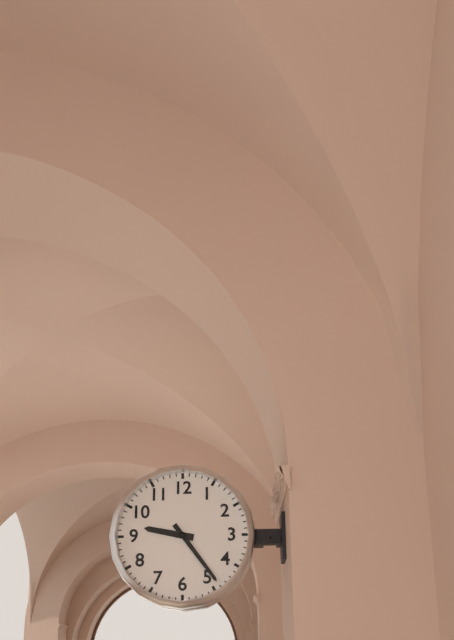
h=9 m=24
